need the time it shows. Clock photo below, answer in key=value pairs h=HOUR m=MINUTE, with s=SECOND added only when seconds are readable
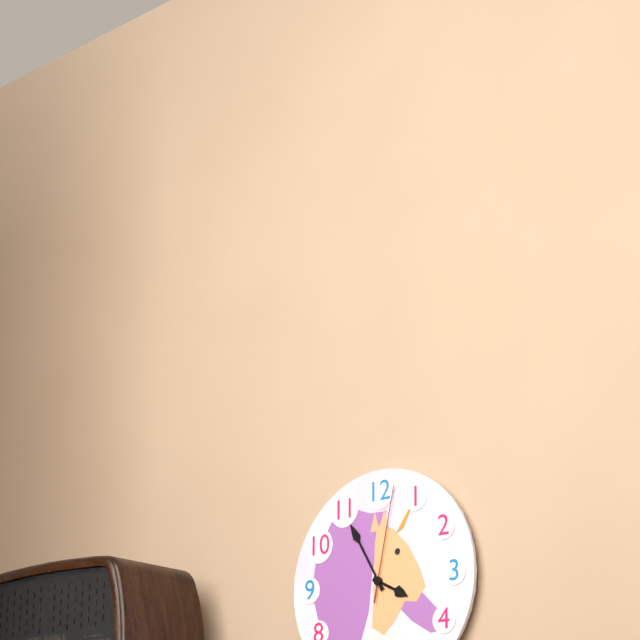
h=3 m=55 s=2
